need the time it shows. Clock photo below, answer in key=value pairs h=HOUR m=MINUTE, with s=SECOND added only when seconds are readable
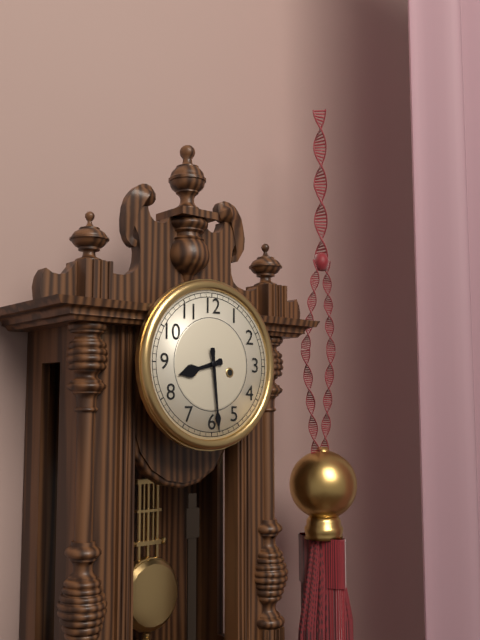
h=8 m=29
